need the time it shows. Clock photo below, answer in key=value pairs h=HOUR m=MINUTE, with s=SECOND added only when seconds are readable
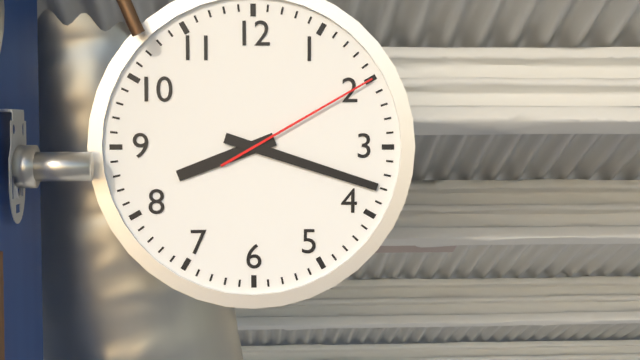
h=8 m=18 s=10
